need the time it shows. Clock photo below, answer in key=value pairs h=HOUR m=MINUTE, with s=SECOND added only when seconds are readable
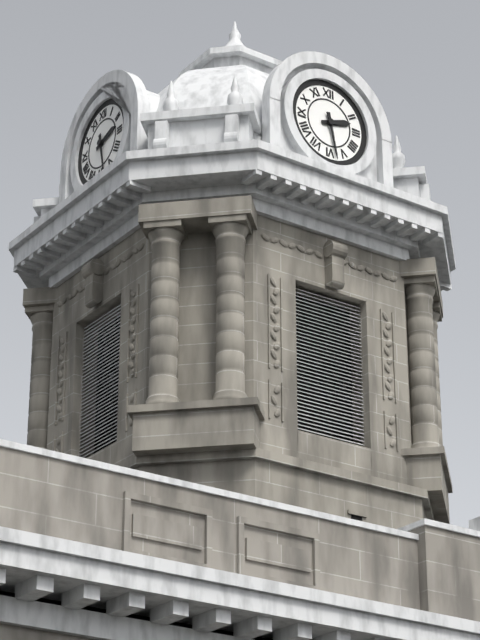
h=2 m=28
